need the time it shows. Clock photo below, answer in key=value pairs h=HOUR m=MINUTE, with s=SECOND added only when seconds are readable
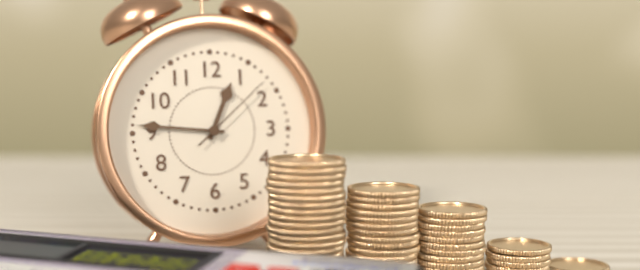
h=12 m=46 s=8
